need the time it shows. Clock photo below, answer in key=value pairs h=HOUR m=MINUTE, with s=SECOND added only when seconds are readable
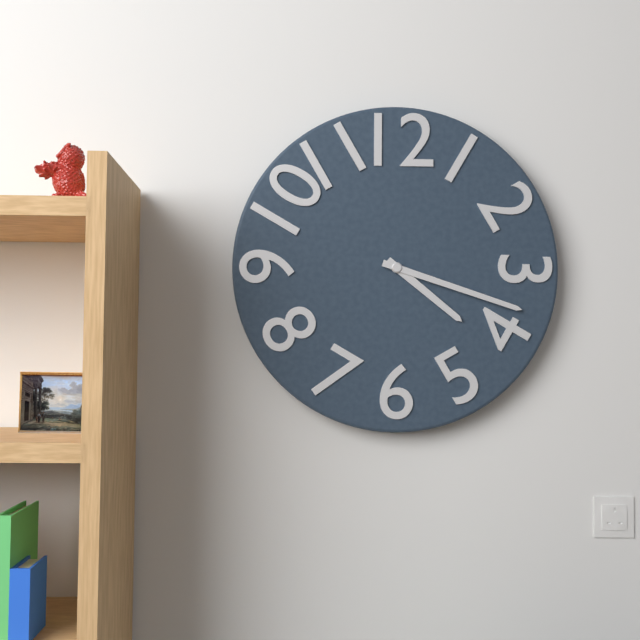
h=4 m=18
